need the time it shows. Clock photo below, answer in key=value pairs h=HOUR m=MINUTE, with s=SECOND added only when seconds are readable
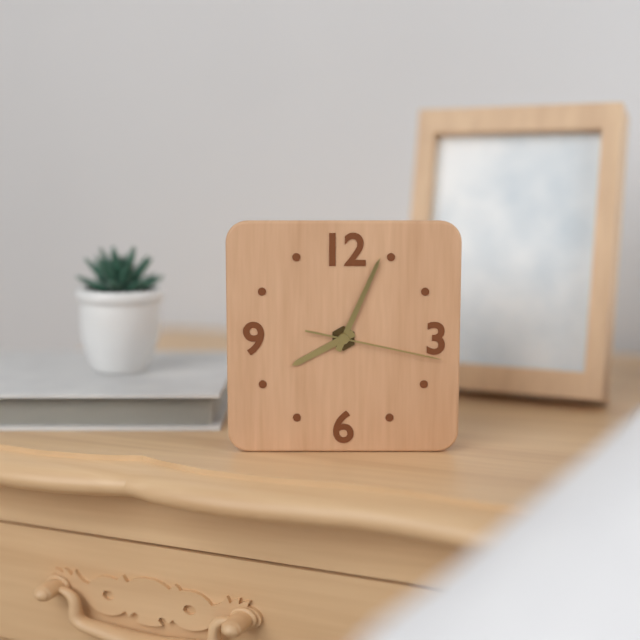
h=8 m=4 s=17
